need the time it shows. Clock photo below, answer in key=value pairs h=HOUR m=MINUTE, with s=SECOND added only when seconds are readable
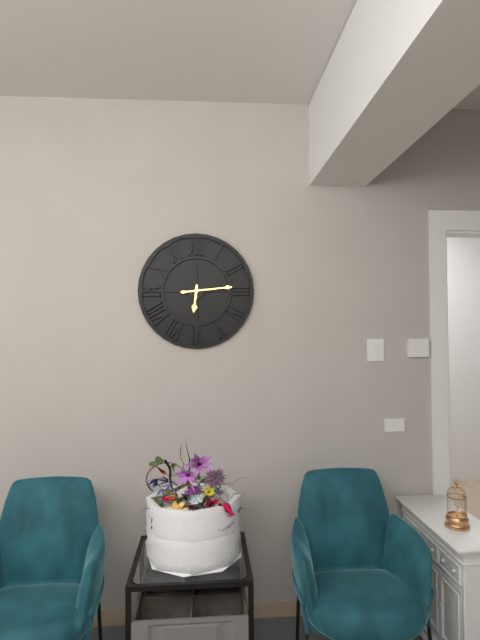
h=6 m=14
